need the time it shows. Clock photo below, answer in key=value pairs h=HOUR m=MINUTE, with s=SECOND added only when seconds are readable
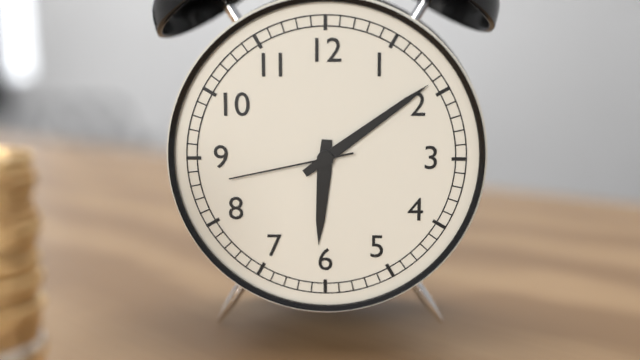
h=6 m=9 s=43
